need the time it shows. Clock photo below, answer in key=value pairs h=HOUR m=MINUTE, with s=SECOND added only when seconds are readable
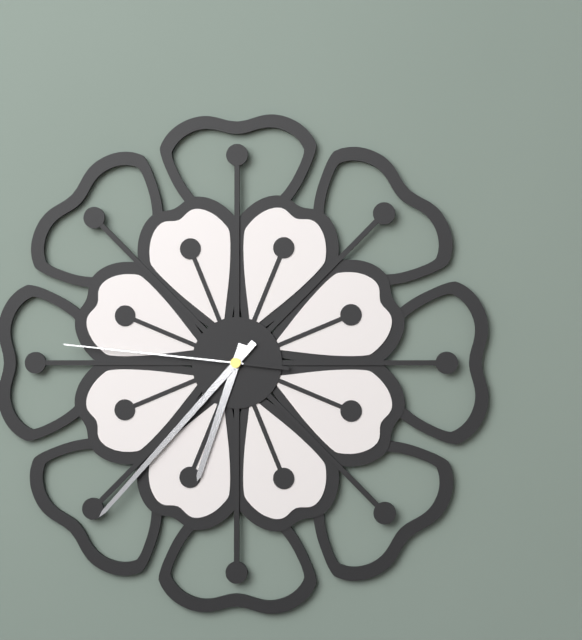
h=6 m=37 s=46
